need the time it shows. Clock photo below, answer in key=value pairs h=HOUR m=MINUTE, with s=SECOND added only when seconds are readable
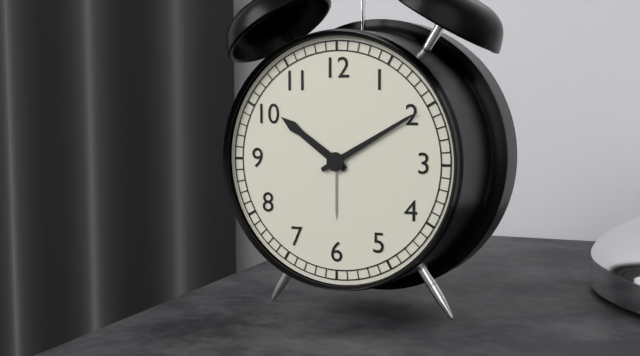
h=10 m=10
